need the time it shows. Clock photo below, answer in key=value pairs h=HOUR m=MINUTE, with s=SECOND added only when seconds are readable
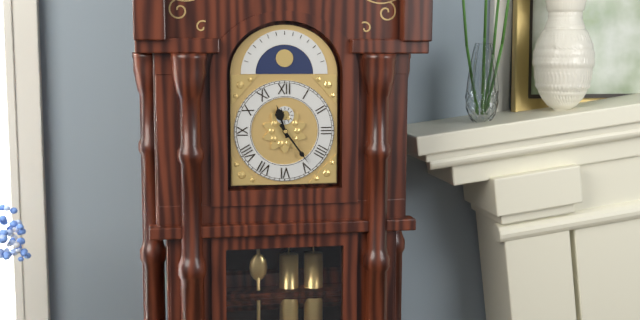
h=11 m=24
